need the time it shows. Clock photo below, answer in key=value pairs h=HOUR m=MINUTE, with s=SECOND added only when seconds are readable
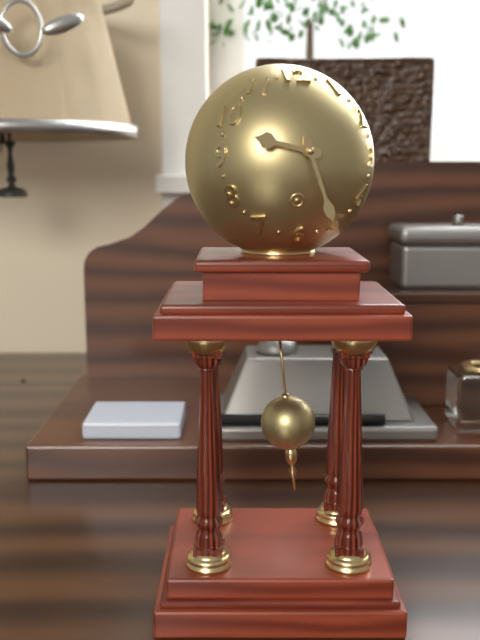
h=9 m=27
